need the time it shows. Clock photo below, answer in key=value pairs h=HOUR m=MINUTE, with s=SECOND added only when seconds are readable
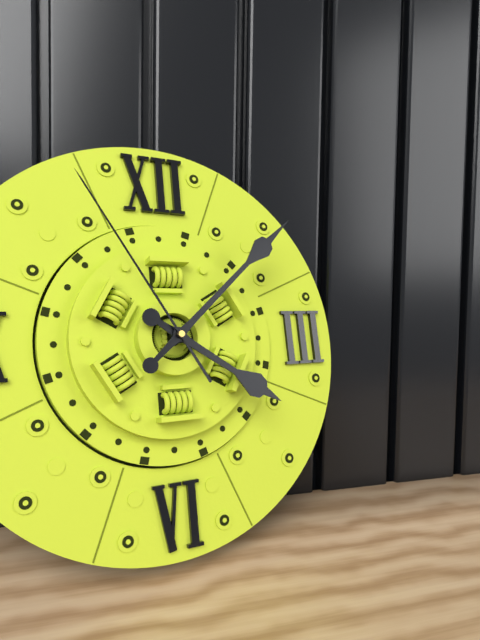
h=4 m=8 s=55
